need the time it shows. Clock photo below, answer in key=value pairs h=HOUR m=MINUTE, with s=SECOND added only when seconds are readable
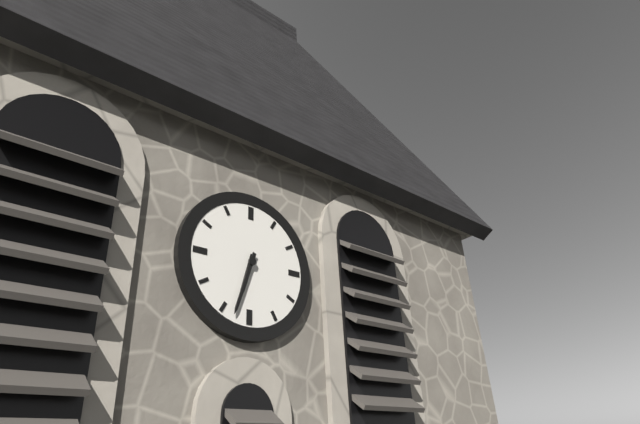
h=6 m=33
